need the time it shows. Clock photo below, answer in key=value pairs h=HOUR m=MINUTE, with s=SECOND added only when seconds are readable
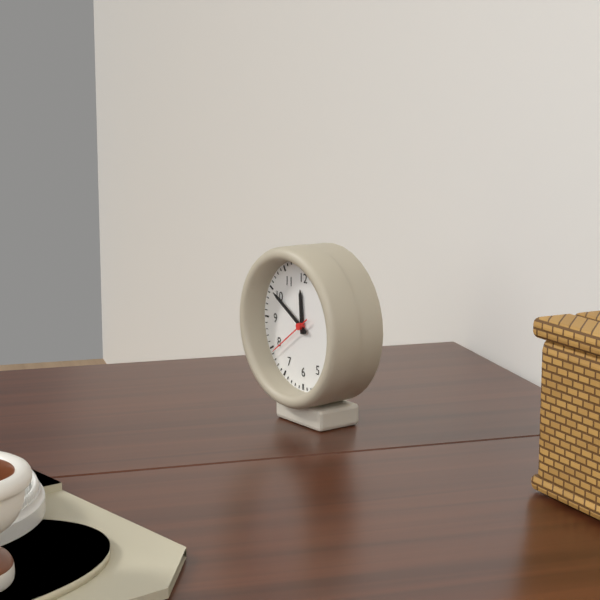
h=11 m=50
